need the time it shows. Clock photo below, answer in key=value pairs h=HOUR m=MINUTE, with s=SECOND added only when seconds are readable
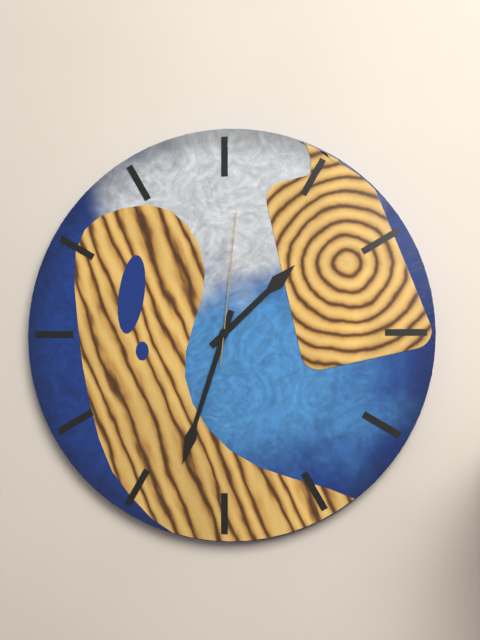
h=1 m=33 s=1
